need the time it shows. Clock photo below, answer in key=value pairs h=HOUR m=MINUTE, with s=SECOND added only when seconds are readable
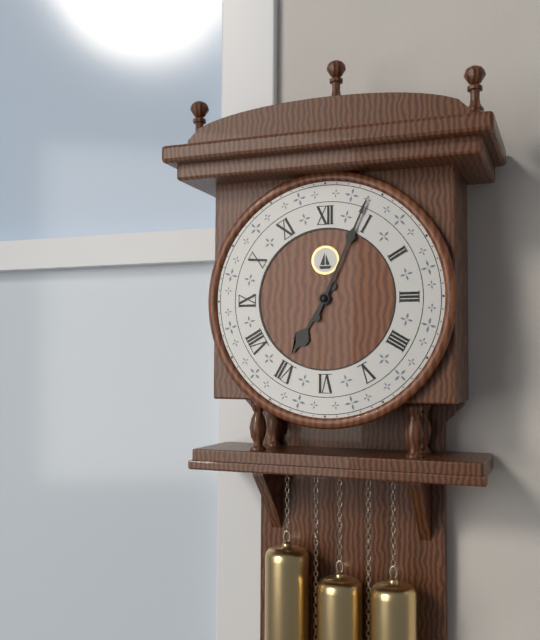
h=7 m=4
